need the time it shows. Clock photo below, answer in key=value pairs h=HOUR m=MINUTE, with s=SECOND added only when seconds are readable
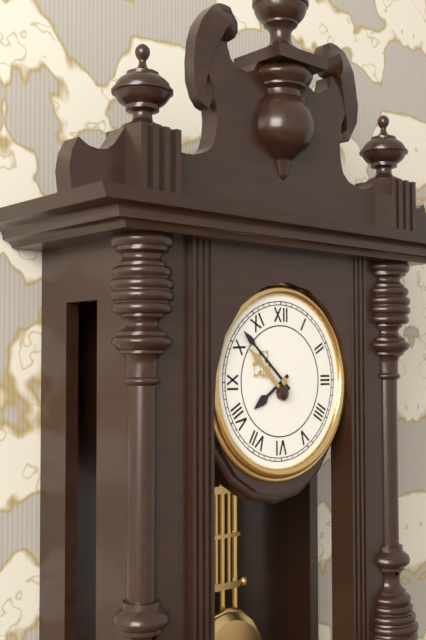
h=7 m=52
